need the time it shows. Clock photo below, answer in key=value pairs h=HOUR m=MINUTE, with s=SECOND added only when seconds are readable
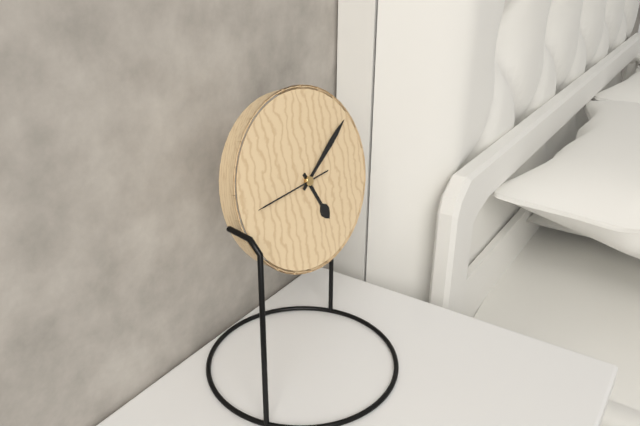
h=5 m=9 s=44
